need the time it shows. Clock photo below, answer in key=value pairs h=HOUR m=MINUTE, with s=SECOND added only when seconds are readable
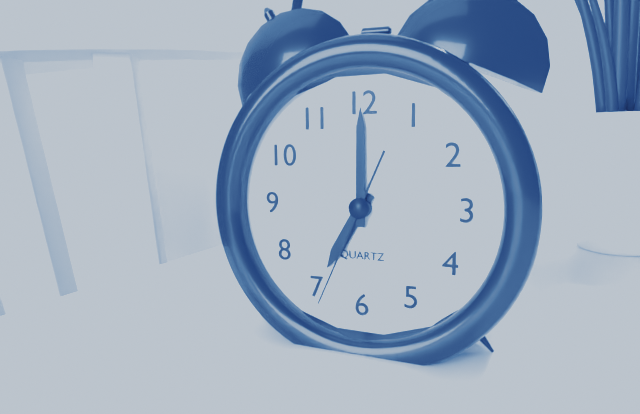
h=7 m=0 s=34
